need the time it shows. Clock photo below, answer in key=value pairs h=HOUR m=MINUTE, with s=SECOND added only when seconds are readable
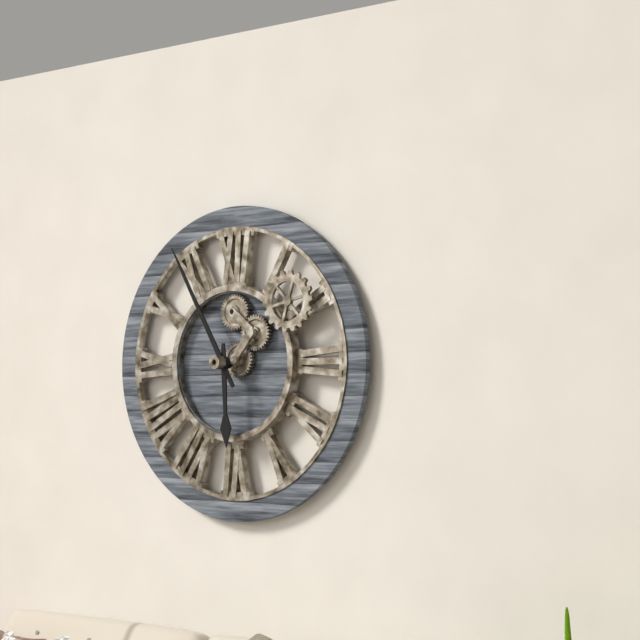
h=5 m=55
